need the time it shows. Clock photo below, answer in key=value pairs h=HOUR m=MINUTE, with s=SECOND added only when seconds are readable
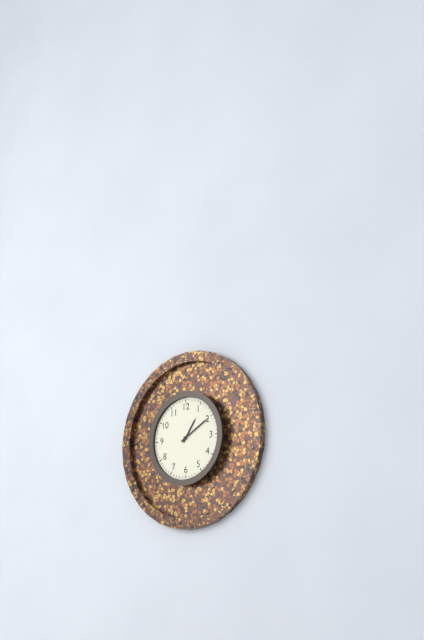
h=1 m=10
